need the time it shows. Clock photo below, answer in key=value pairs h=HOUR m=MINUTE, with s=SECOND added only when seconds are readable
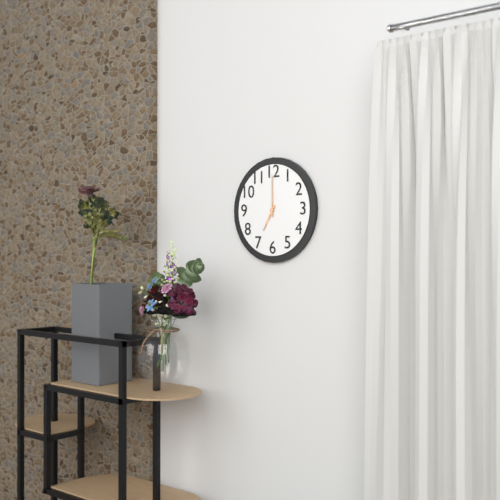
h=7 m=0
